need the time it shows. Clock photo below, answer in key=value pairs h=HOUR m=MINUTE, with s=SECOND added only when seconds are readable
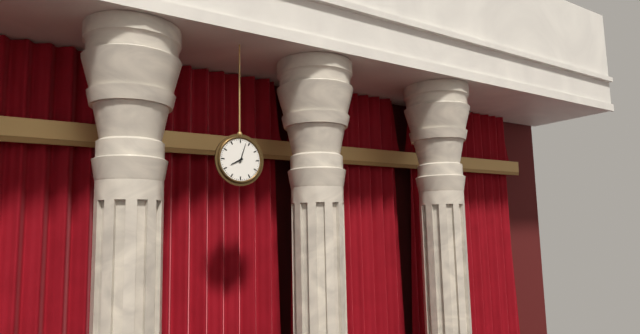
h=8 m=3
